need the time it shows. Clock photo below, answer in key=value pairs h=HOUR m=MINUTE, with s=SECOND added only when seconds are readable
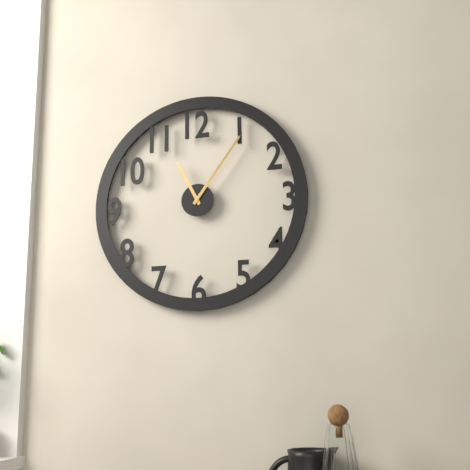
h=11 m=6
